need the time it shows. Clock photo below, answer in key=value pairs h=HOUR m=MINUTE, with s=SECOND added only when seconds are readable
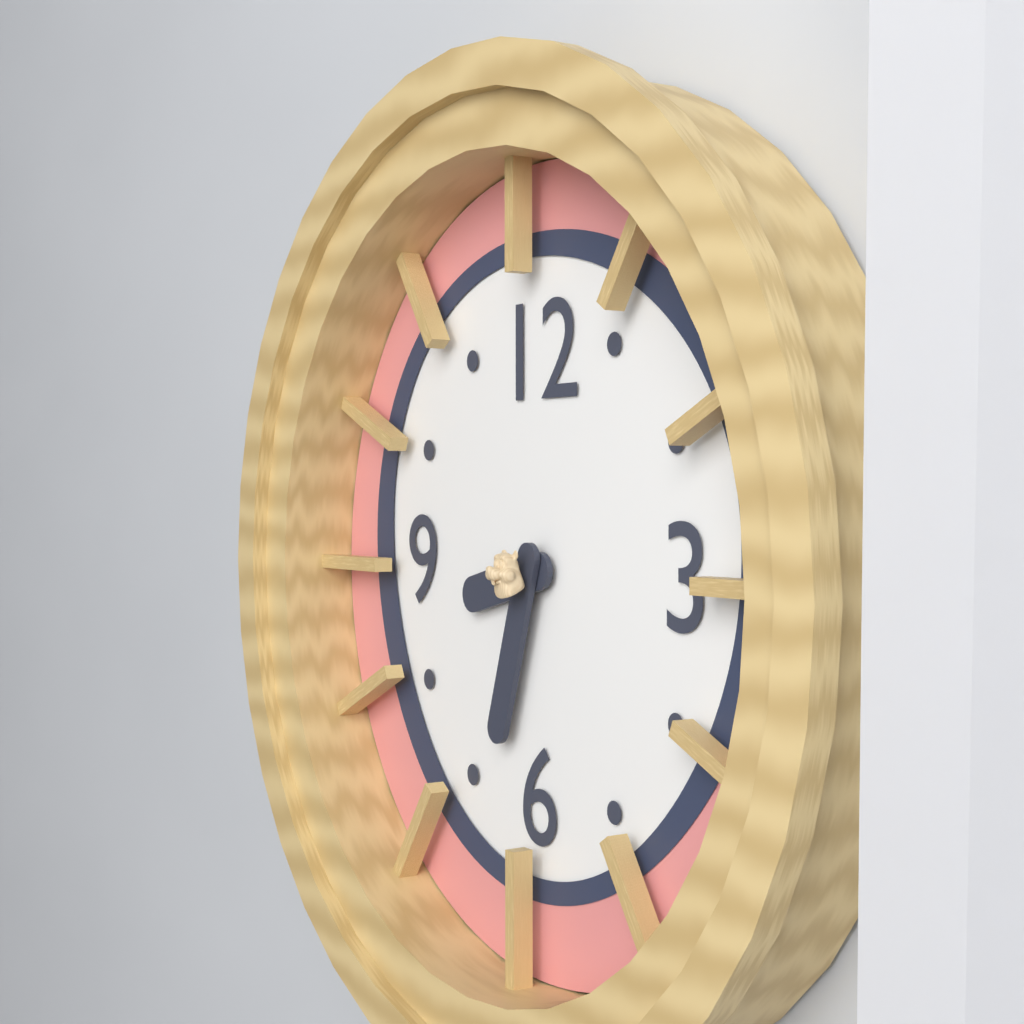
h=8 m=33
